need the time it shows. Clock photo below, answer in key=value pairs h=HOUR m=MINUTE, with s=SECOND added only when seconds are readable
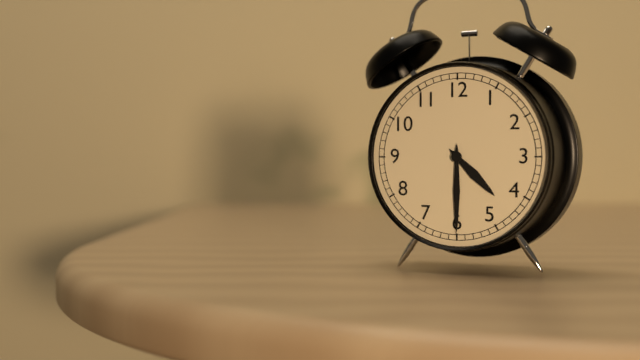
h=4 m=30
